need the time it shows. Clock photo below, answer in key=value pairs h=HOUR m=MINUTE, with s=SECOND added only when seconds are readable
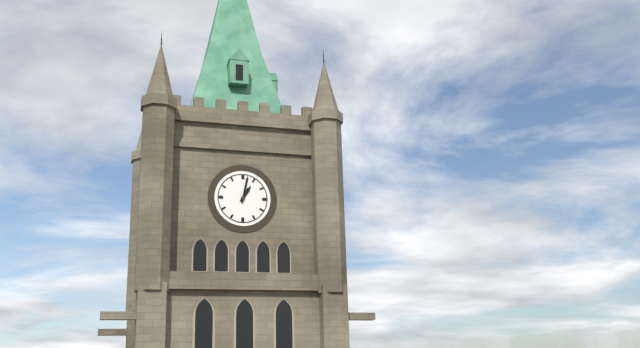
h=1 m=2
